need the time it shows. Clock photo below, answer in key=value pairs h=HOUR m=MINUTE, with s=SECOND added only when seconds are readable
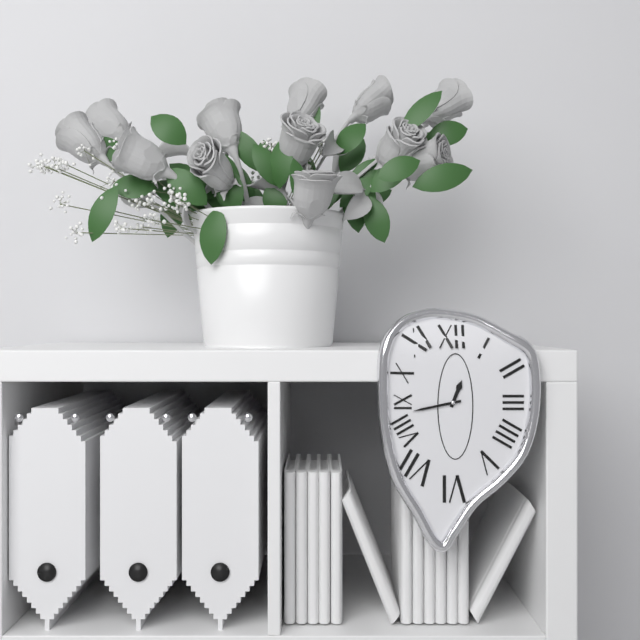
h=12 m=43
